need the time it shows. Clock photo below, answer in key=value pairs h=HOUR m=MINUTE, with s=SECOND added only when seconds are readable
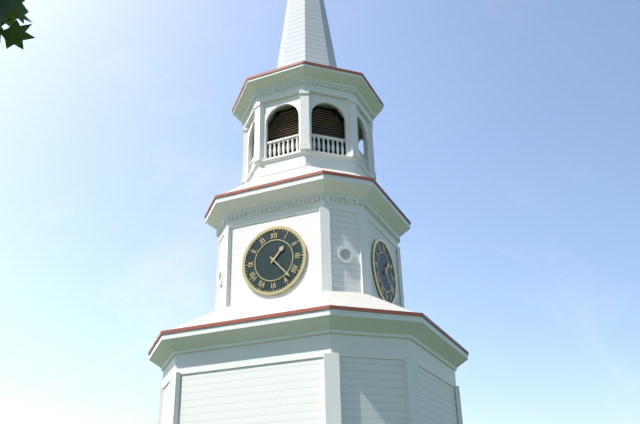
h=1 m=23
